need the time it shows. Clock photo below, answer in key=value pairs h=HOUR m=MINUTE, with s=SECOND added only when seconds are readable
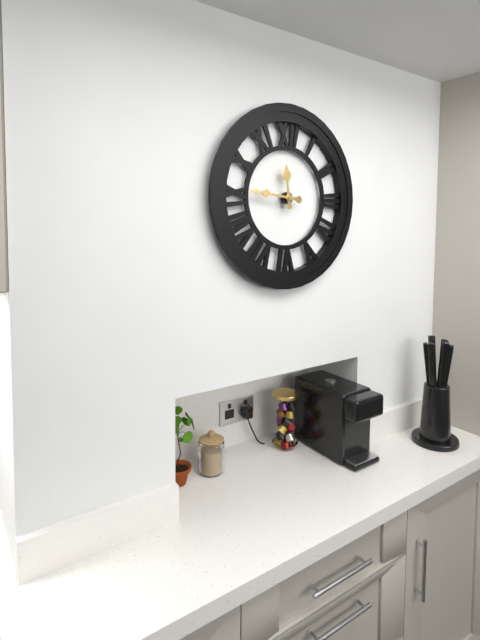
h=11 m=46
